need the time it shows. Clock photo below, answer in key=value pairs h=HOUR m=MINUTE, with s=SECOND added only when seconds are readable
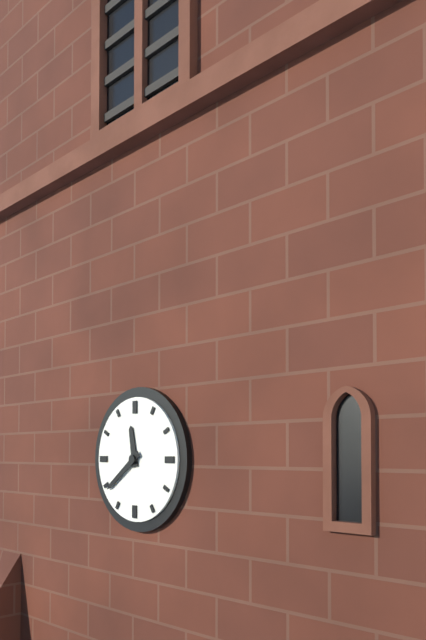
h=11 m=39
